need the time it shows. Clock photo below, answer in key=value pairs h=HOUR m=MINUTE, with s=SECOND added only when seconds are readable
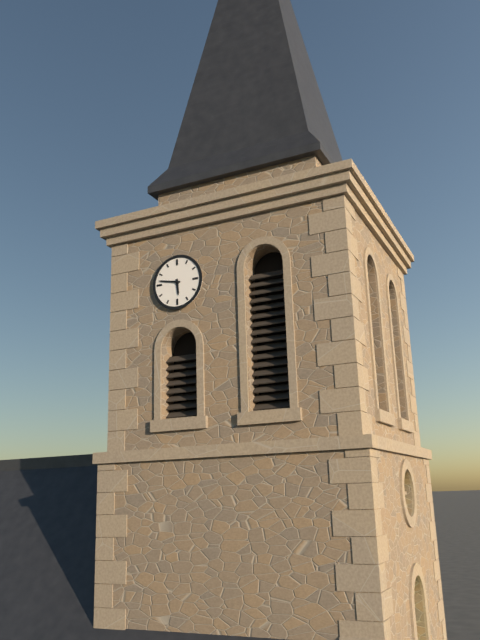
h=5 m=47
